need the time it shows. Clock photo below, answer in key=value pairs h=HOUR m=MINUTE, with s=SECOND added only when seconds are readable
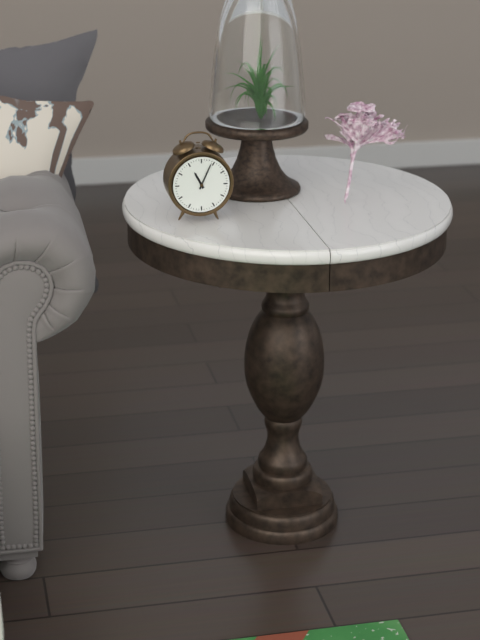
h=11 m=4
